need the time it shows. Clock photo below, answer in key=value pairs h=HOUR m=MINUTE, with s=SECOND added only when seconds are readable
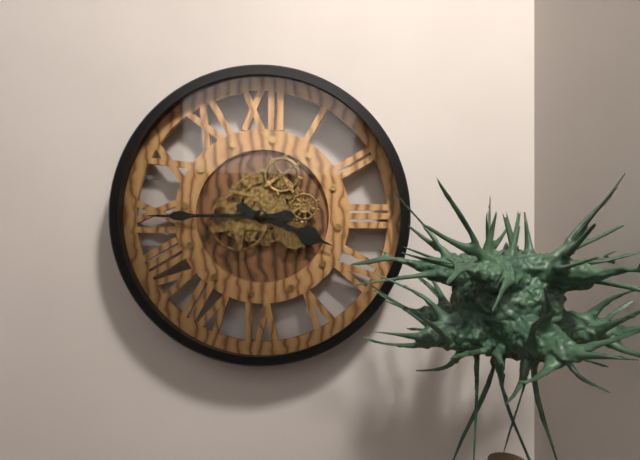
h=3 m=45
